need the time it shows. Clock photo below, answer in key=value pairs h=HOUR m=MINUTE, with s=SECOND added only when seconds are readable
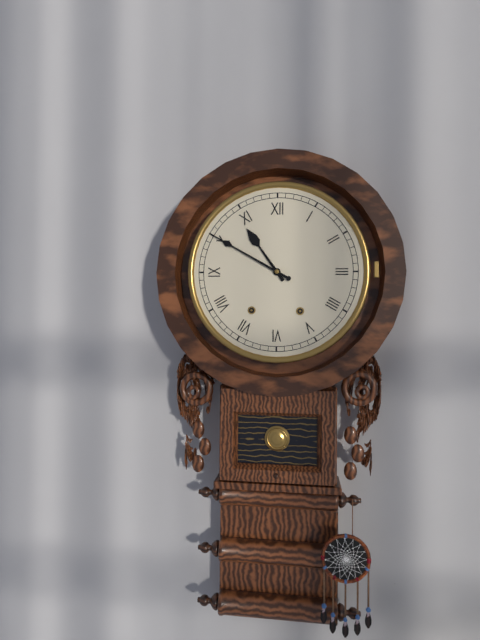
h=10 m=50
